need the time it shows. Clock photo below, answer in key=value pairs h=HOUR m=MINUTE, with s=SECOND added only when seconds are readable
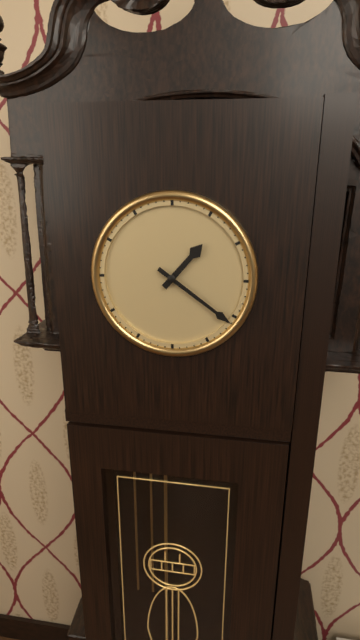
h=1 m=21
